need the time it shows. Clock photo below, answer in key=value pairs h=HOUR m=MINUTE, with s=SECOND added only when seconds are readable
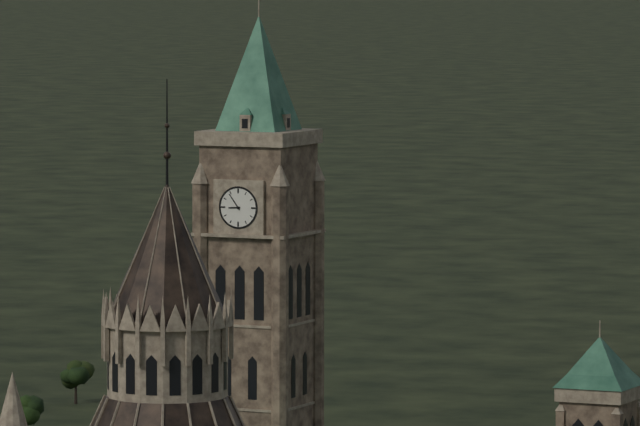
h=8 m=54
